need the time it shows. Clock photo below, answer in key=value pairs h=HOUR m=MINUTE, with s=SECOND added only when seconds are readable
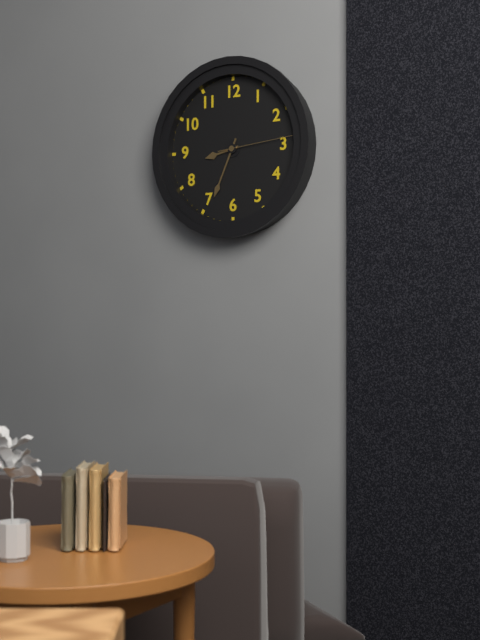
h=8 m=34 s=14
